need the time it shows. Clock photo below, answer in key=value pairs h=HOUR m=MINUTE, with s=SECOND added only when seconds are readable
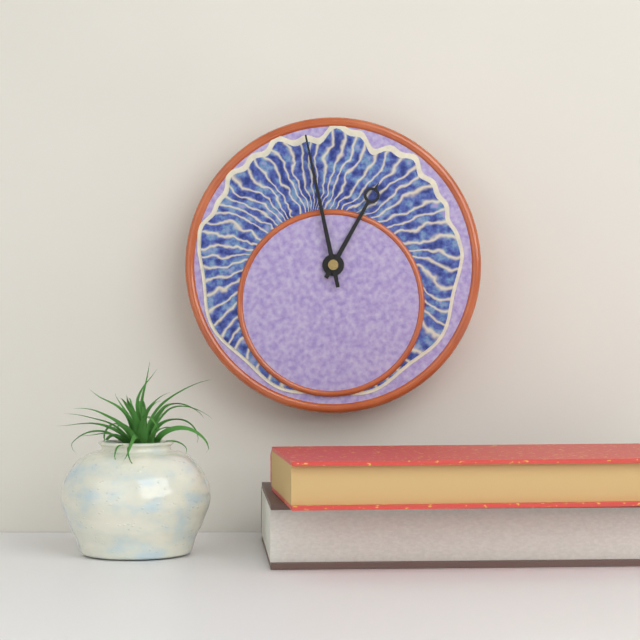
h=12 m=58
